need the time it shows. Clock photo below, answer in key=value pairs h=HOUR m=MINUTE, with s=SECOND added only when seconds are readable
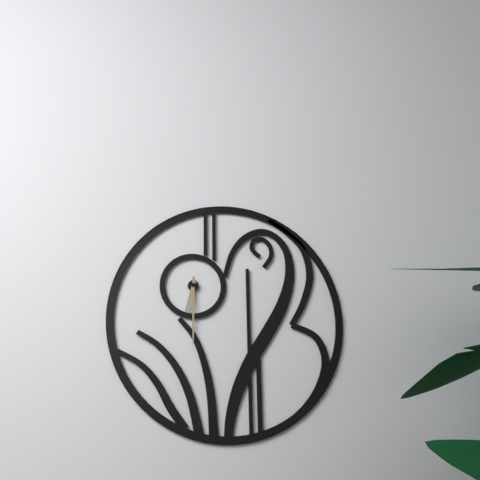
h=6 m=30
